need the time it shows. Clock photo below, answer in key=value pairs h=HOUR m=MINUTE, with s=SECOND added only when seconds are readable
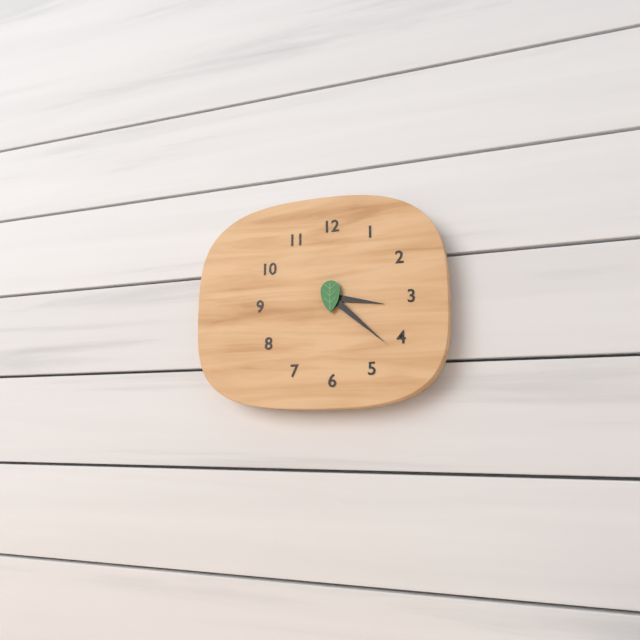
h=3 m=22
